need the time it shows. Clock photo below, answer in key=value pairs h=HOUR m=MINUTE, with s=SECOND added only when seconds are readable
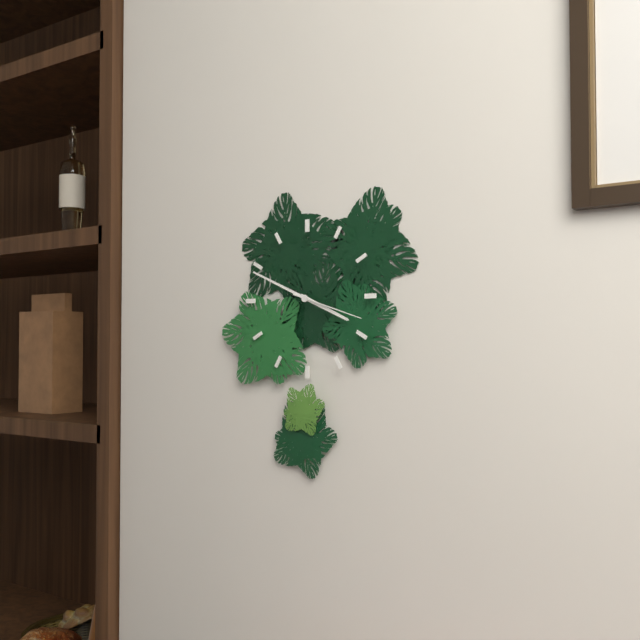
h=3 m=49 s=18
